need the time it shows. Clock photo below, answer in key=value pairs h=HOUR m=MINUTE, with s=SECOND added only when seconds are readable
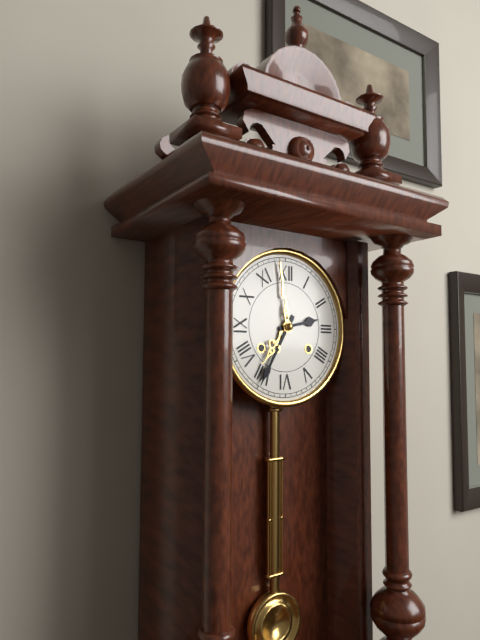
h=2 m=35
